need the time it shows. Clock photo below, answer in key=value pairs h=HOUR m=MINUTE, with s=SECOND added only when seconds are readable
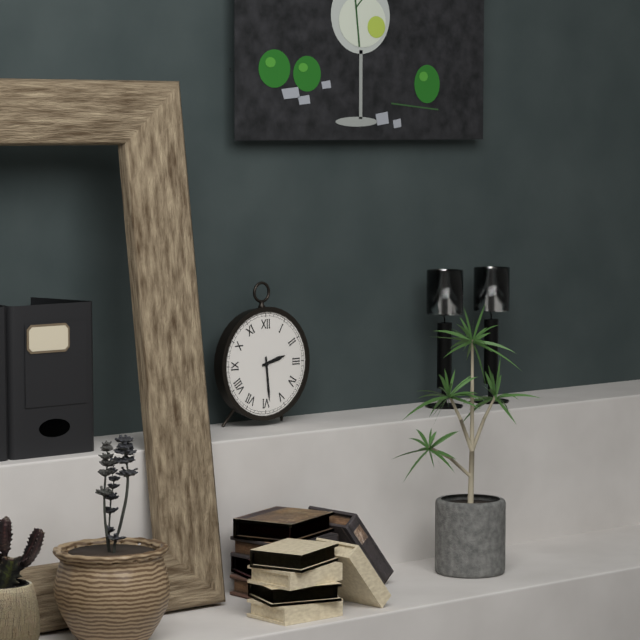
h=2 m=29
